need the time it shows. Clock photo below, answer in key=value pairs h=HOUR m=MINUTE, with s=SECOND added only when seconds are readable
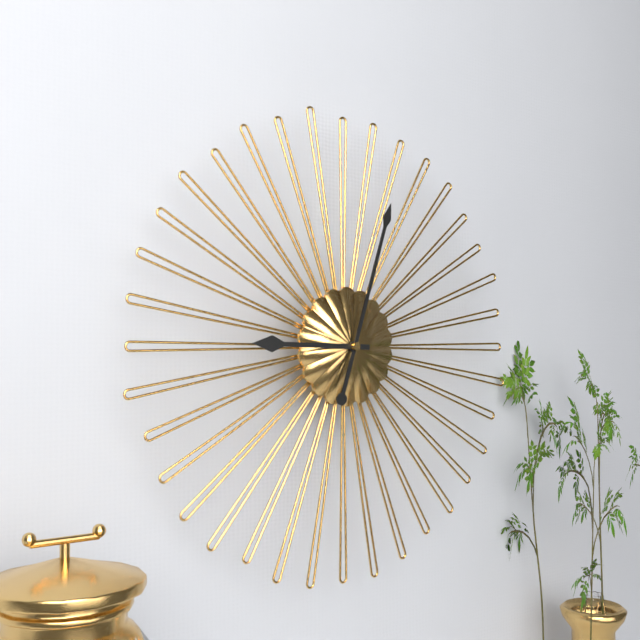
h=9 m=3
